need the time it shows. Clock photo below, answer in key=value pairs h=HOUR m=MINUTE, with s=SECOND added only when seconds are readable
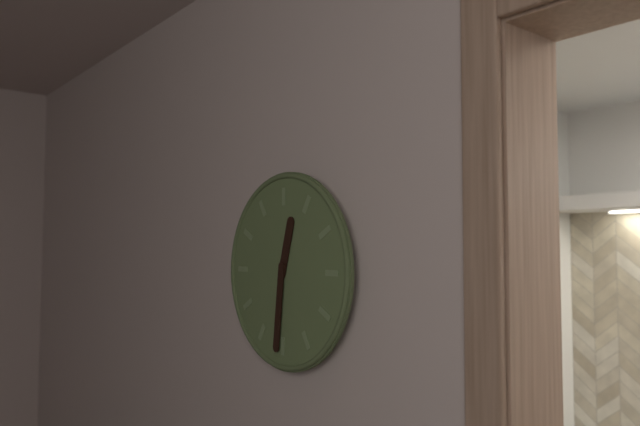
h=12 m=31
